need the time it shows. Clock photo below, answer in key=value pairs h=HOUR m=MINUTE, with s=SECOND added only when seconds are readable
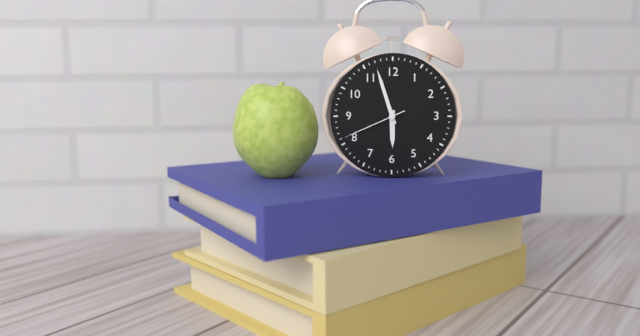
h=5 m=57 s=41
